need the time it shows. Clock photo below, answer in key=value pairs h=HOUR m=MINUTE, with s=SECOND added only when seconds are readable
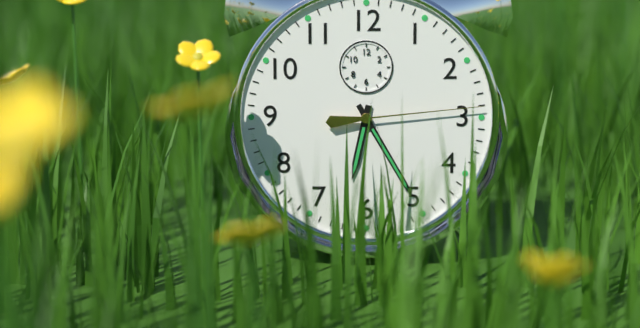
h=6 m=25 s=14
